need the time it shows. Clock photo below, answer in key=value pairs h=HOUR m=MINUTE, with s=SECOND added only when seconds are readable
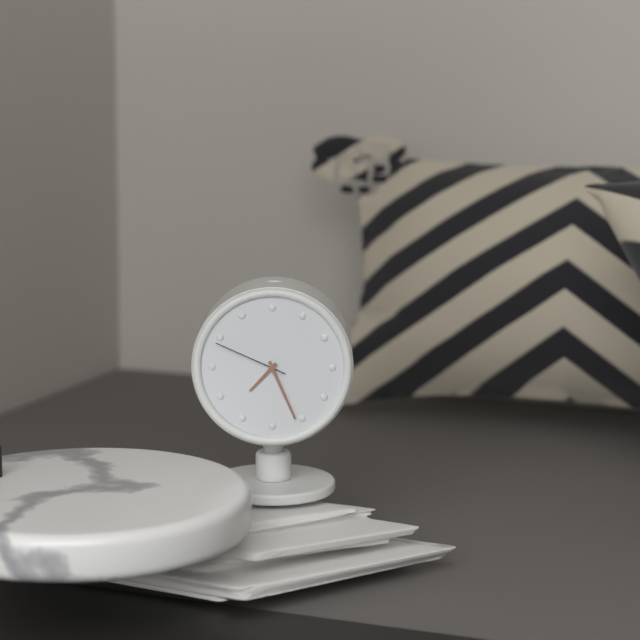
h=7 m=26 s=49
